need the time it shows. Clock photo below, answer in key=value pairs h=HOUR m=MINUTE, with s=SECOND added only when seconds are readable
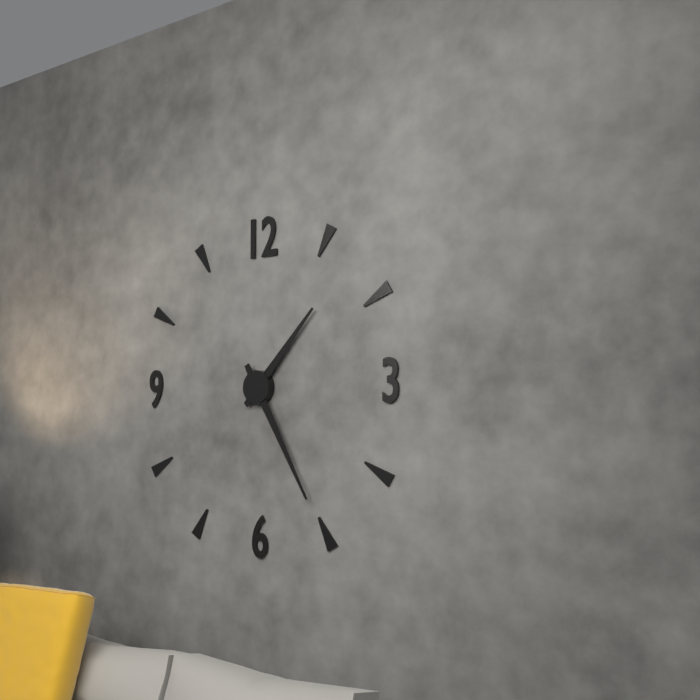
h=1 m=25
